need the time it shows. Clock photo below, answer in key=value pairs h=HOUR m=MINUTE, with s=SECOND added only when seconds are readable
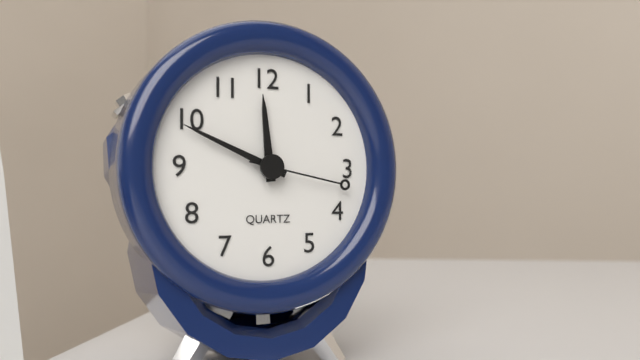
h=11 m=49 s=17
